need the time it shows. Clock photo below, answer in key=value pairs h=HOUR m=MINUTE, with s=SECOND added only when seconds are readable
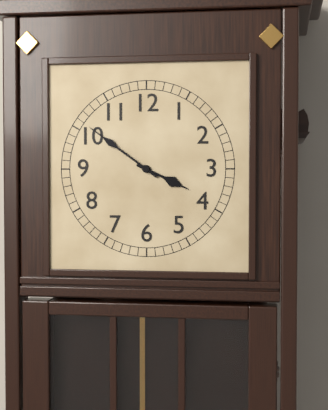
h=3 m=51
